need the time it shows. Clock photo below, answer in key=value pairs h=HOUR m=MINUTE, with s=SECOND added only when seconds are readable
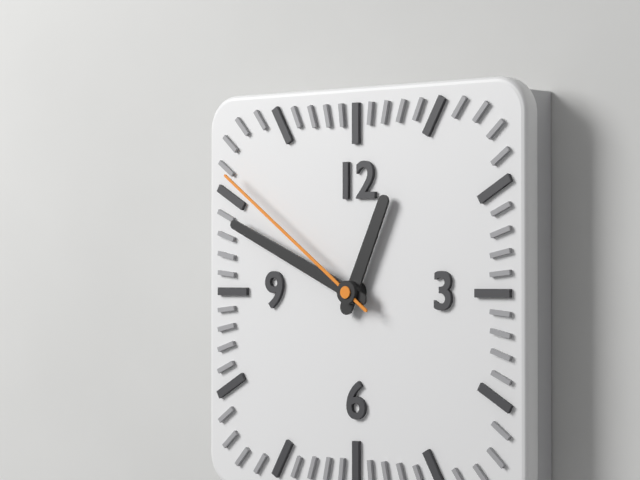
h=12 m=49 s=51
